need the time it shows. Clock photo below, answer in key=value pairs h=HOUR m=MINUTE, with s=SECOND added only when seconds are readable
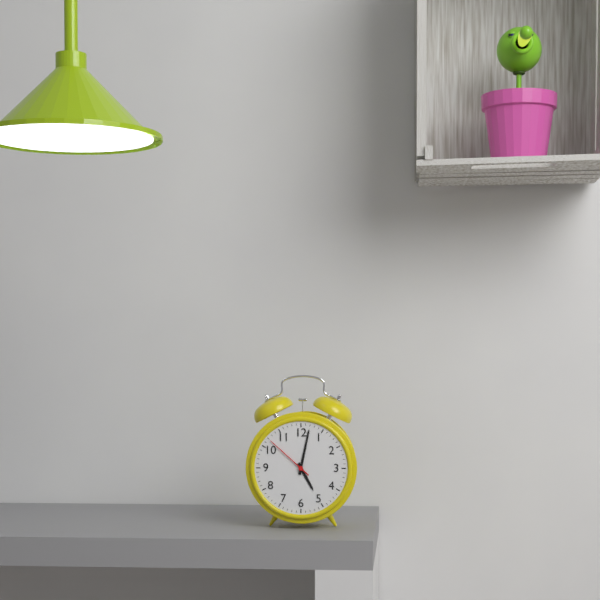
h=5 m=2 s=52
